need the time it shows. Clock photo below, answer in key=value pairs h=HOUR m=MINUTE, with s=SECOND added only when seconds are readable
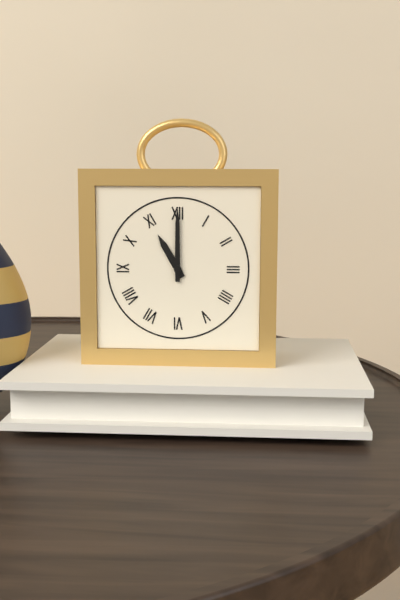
h=11 m=0
